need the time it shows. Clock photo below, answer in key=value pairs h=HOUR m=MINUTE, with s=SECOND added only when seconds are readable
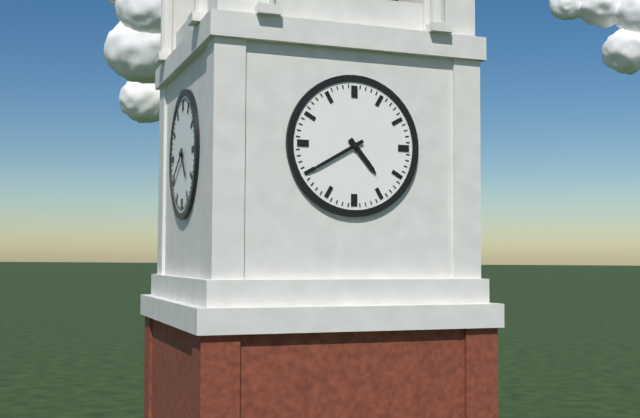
h=4 m=40
